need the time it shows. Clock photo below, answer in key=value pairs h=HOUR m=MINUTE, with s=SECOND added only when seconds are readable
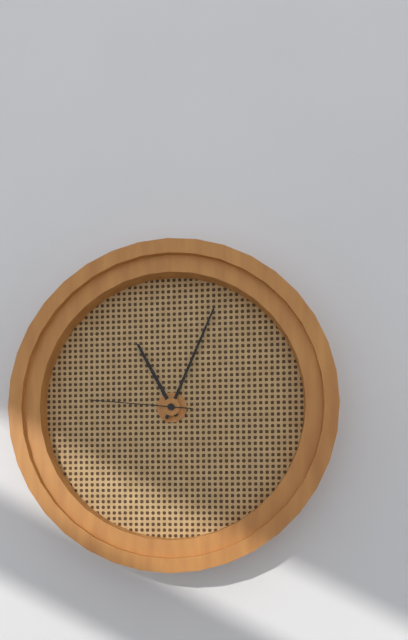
h=11 m=4 s=46
